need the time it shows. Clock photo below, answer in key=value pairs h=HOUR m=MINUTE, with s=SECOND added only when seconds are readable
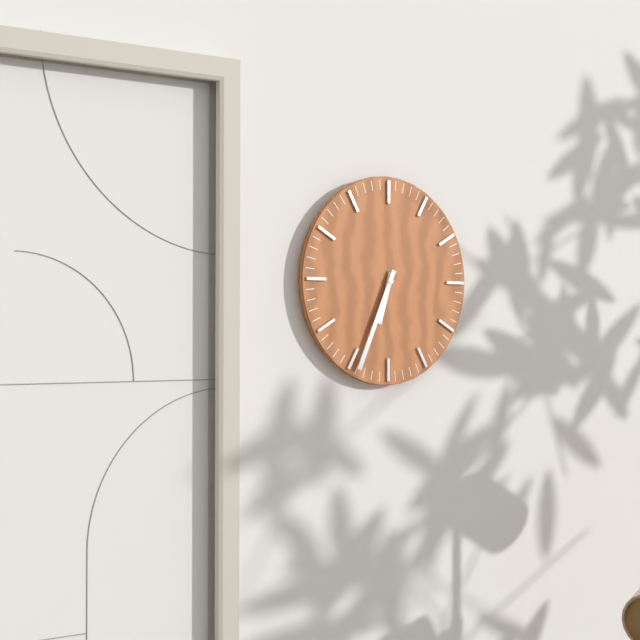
h=6 m=34
